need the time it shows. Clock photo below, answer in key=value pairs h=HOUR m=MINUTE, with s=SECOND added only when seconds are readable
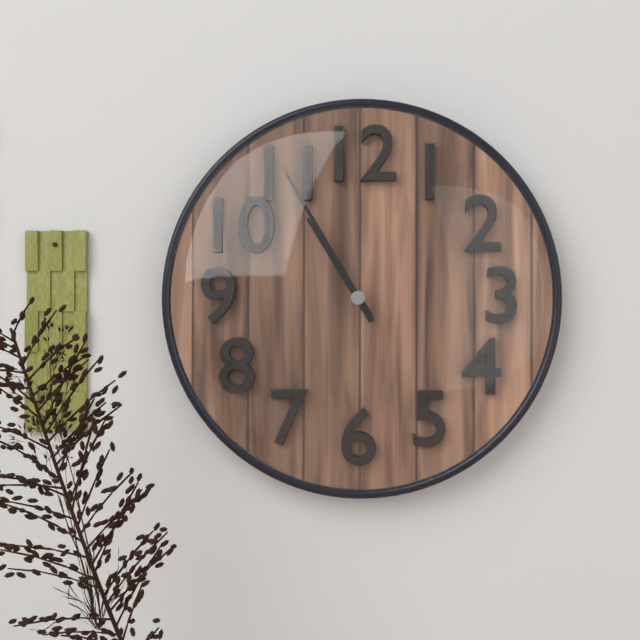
h=10 m=55
